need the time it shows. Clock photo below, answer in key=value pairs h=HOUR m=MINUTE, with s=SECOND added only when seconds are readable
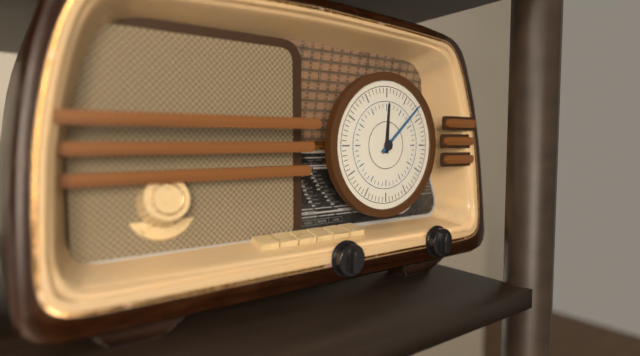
h=12 m=8
